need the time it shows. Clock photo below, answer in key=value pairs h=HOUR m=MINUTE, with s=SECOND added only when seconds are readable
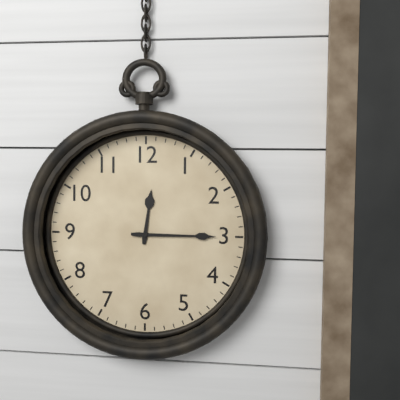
h=12 m=15
